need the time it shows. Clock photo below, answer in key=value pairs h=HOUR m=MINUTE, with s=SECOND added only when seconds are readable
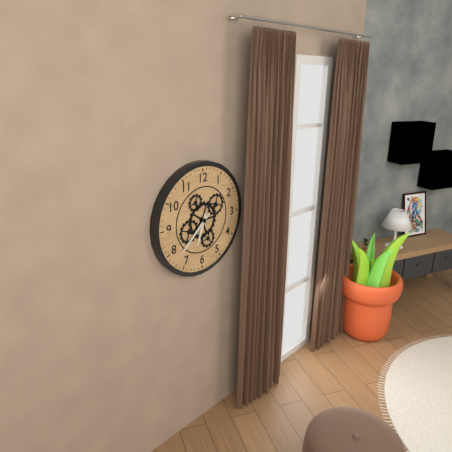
h=6 m=38
